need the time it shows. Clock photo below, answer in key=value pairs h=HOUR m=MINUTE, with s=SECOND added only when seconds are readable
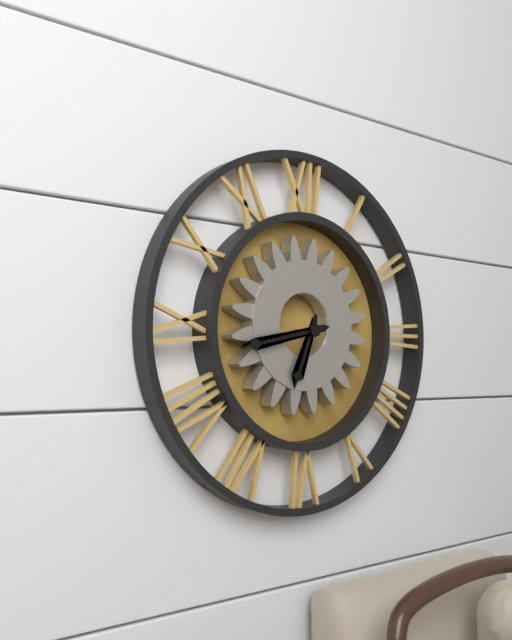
h=6 m=43
